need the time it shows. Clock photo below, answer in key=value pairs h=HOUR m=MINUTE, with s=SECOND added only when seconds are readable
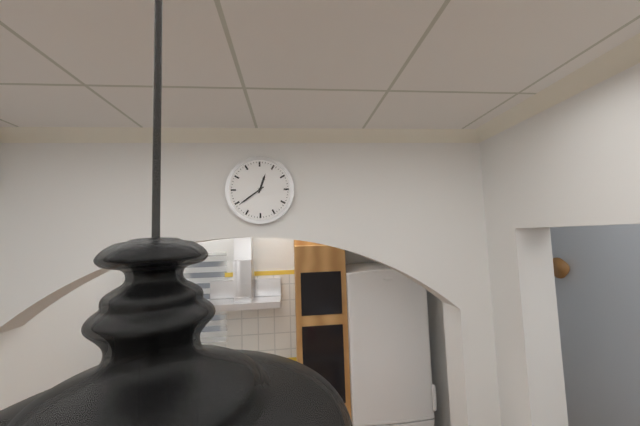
h=12 m=39
